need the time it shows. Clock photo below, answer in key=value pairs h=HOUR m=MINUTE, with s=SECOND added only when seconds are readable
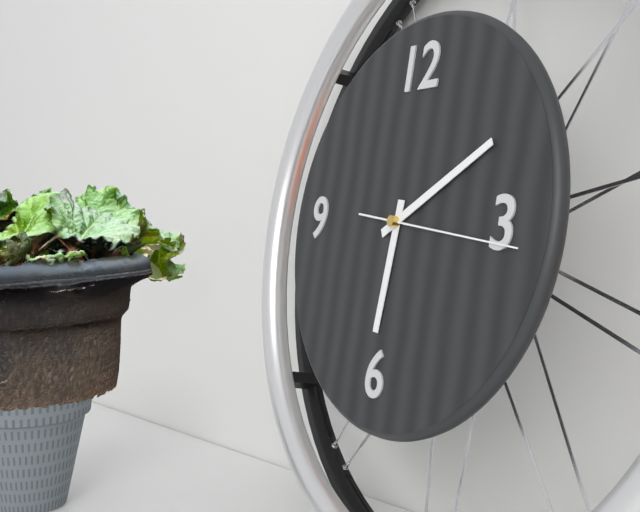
h=6 m=10 s=16
